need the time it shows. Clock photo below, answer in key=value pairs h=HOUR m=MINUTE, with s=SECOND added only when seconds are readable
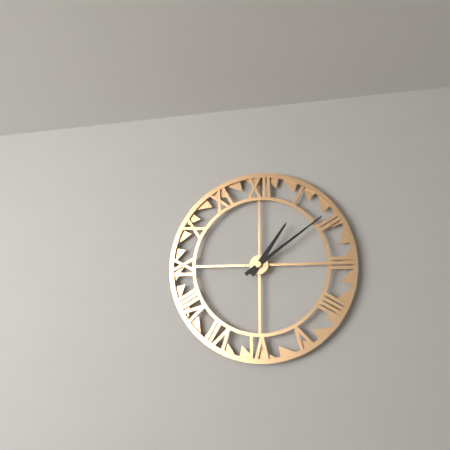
h=1 m=9
